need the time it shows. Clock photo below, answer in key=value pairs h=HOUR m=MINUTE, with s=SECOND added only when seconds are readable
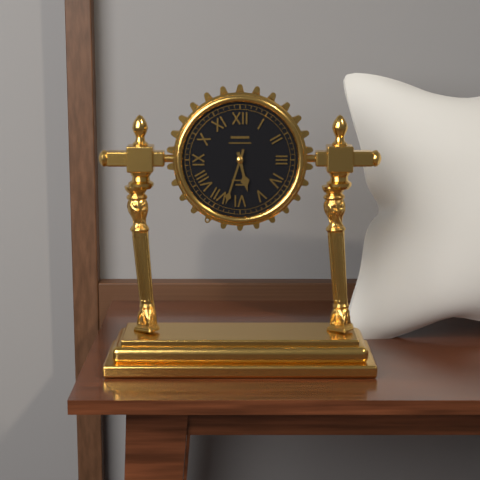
h=5 m=33
